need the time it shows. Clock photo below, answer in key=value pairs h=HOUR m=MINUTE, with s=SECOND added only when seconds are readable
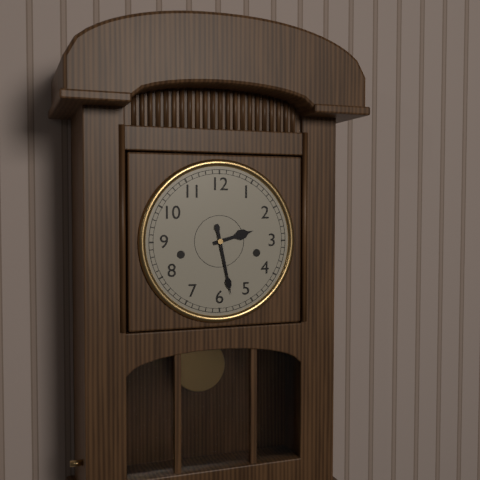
h=2 m=28
